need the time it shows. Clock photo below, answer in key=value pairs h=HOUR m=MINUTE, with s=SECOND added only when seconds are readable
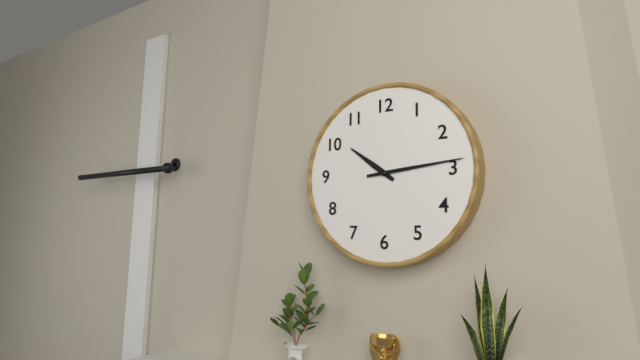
h=10 m=14
